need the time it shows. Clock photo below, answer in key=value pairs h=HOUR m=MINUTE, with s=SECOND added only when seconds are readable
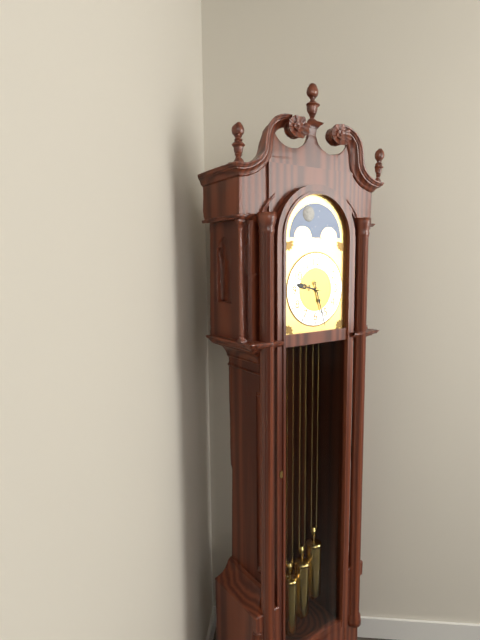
h=9 m=27
